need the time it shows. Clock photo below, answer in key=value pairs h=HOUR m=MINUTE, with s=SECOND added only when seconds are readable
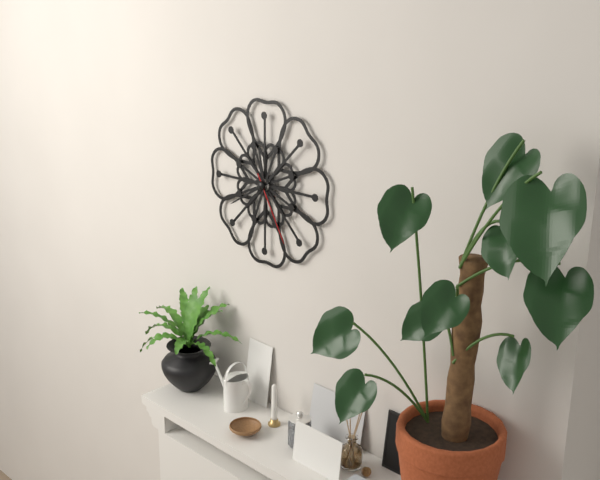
h=11 m=40 s=25
